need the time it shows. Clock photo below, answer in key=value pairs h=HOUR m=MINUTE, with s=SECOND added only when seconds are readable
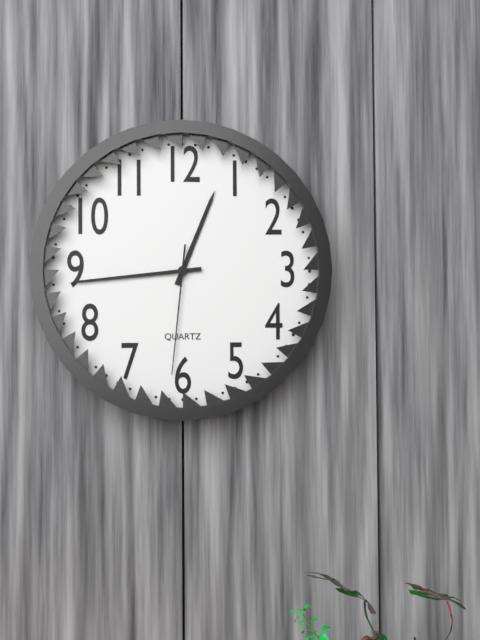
h=12 m=44 s=31
